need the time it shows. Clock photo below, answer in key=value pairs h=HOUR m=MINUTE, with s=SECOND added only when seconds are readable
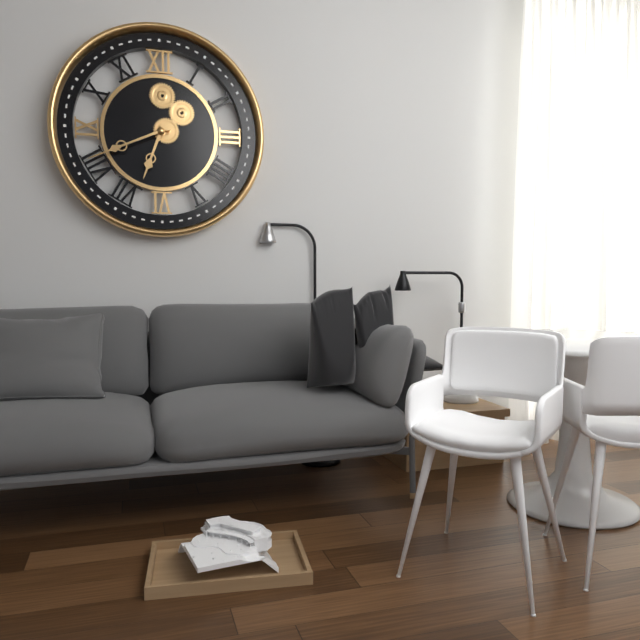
h=6 m=41
